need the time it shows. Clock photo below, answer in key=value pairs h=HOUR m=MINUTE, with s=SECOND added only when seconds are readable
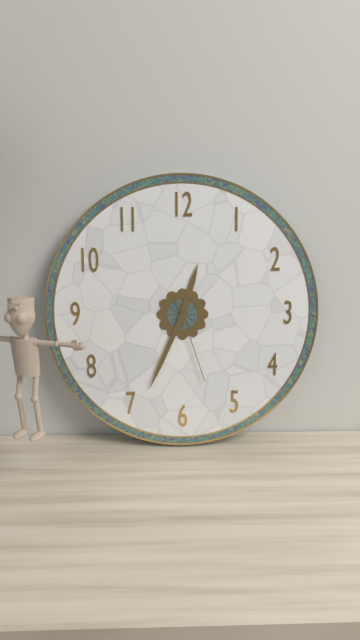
h=12 m=34 s=27
